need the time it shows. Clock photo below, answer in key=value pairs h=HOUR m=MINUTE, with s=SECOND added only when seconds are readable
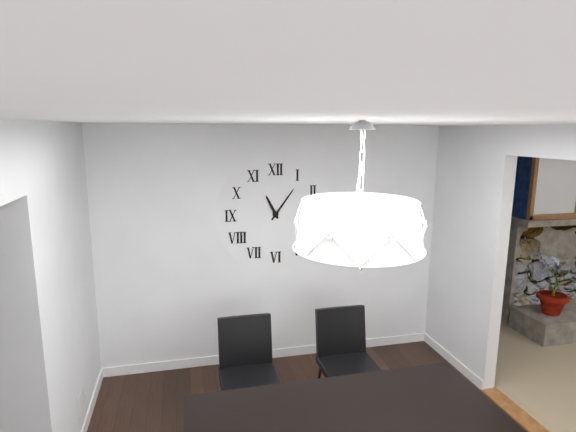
h=11 m=6
